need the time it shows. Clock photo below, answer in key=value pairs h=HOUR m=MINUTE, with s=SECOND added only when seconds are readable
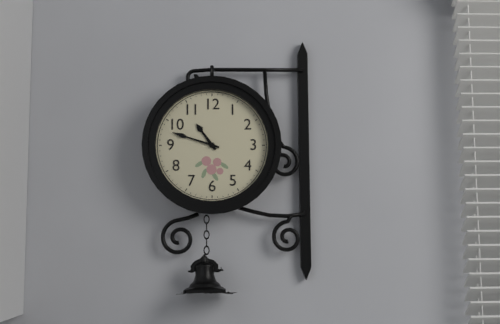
h=10 m=48
